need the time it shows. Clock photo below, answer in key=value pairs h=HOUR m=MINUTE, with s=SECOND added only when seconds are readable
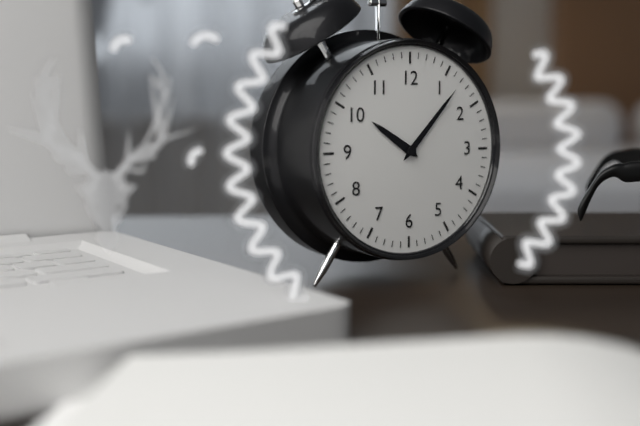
h=10 m=7
